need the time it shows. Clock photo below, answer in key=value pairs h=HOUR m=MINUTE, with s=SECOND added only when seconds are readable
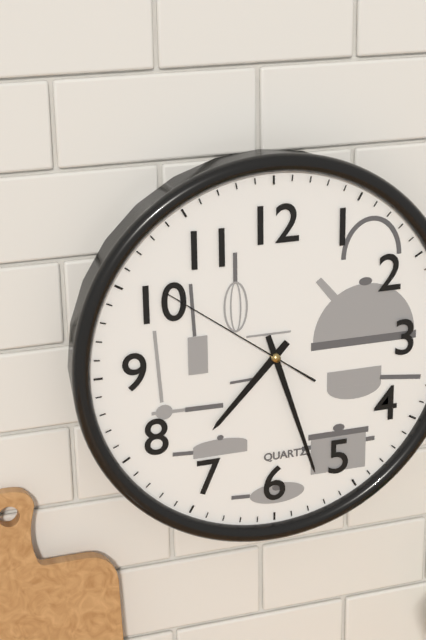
h=7 m=27 s=51
